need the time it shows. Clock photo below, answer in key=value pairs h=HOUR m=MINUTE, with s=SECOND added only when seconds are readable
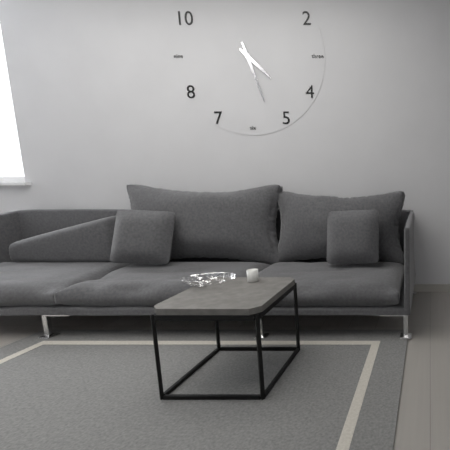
h=4 m=27
